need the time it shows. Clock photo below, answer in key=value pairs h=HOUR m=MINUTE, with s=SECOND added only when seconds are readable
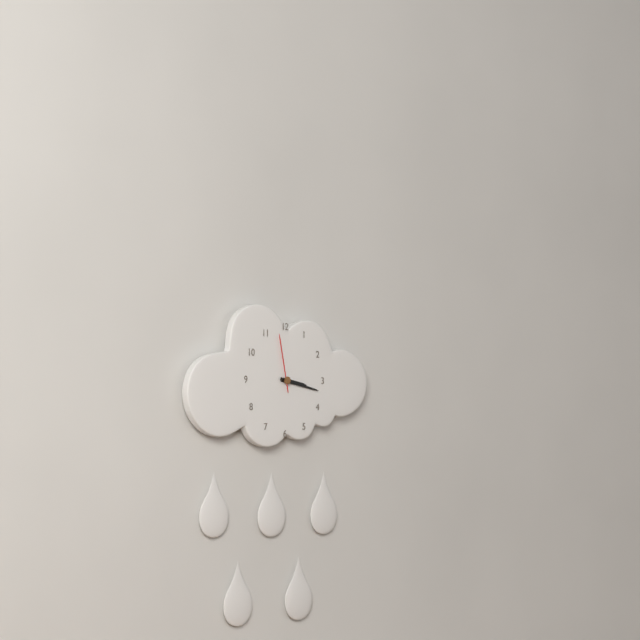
h=3 m=17 s=58
